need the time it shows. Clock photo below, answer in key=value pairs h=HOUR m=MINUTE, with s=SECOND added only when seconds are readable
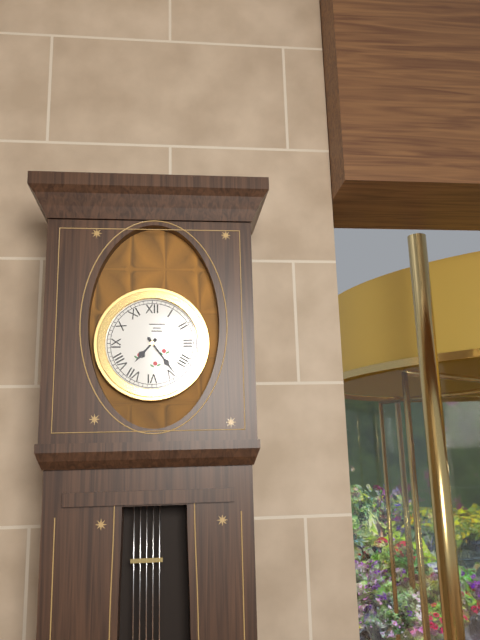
h=7 m=24
